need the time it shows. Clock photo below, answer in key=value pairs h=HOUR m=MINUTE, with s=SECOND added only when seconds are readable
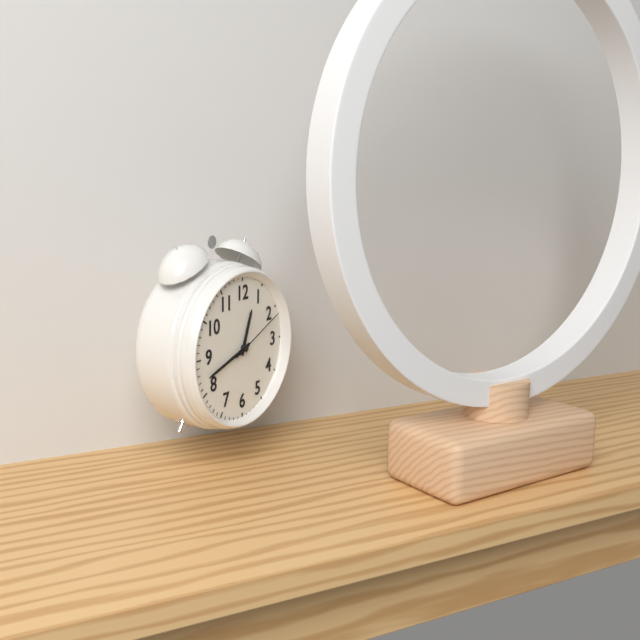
h=12 m=42 s=11
